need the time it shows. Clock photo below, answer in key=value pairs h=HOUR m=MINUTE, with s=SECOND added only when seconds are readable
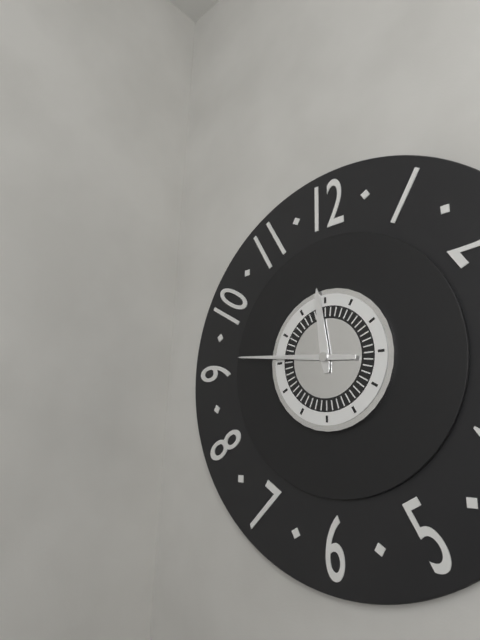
h=11 m=46
